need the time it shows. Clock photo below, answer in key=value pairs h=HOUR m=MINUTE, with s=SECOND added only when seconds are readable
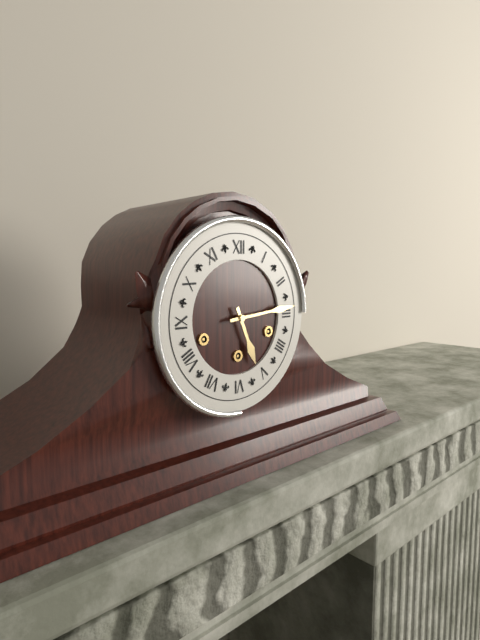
h=5 m=14
